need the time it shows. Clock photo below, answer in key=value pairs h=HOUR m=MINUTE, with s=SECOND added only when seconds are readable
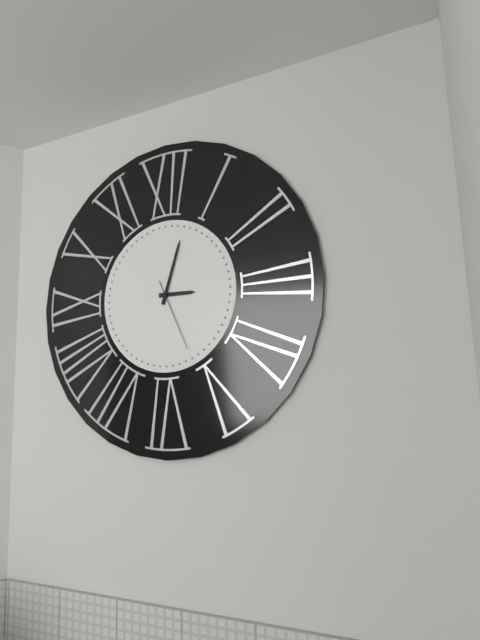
h=3 m=3 s=26
